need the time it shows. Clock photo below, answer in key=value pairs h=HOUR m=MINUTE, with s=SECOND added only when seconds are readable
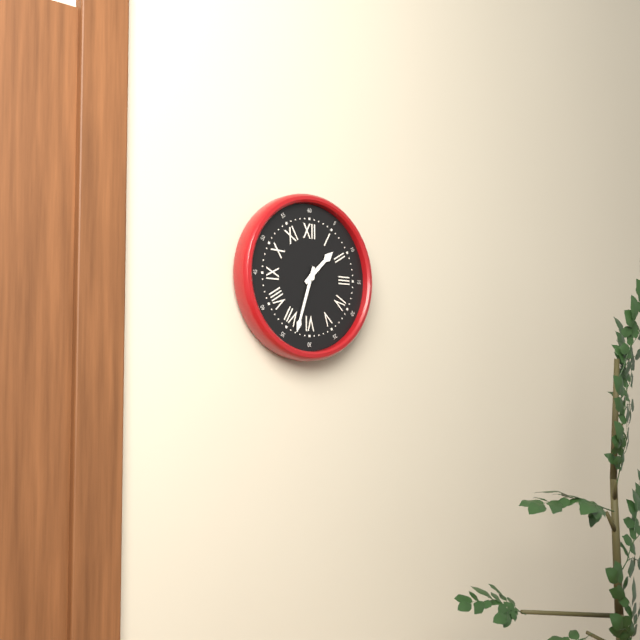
h=1 m=33
